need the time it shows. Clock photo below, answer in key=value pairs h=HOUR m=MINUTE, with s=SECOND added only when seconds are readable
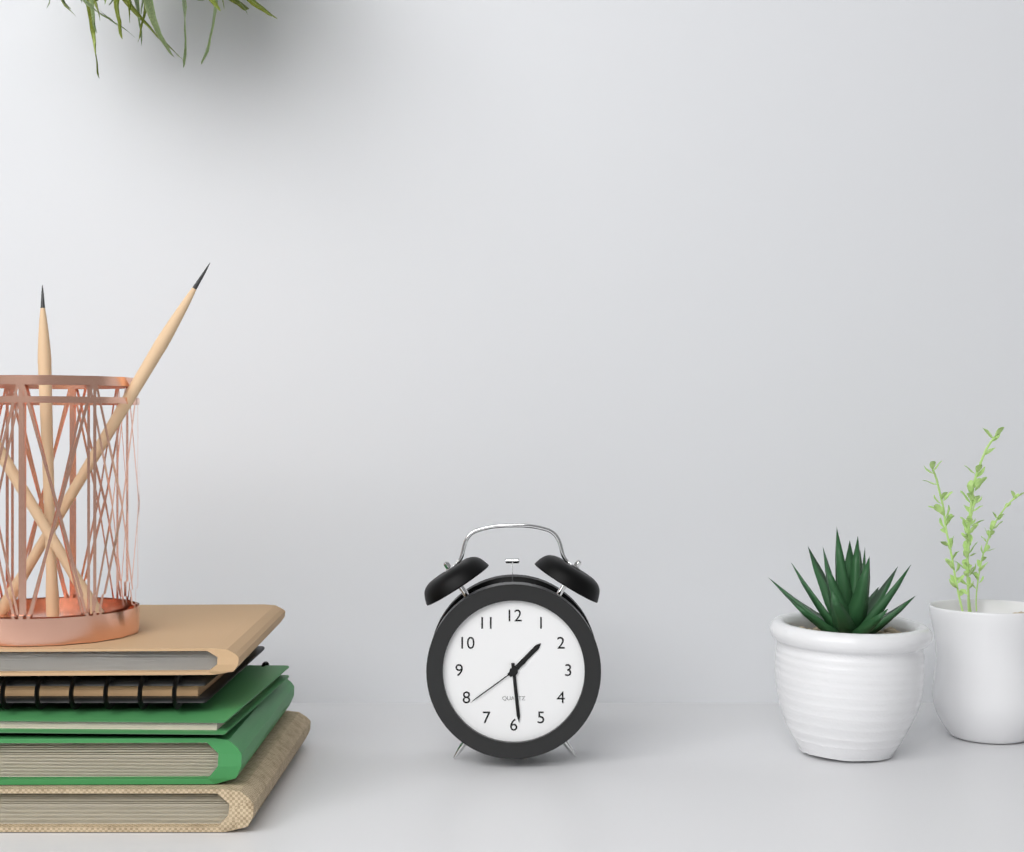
h=1 m=29 s=39
